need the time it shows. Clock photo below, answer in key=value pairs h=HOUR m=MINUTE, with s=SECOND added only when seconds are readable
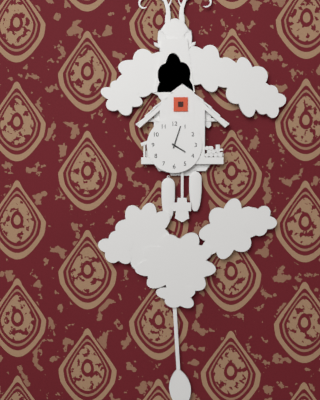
h=4 m=3
